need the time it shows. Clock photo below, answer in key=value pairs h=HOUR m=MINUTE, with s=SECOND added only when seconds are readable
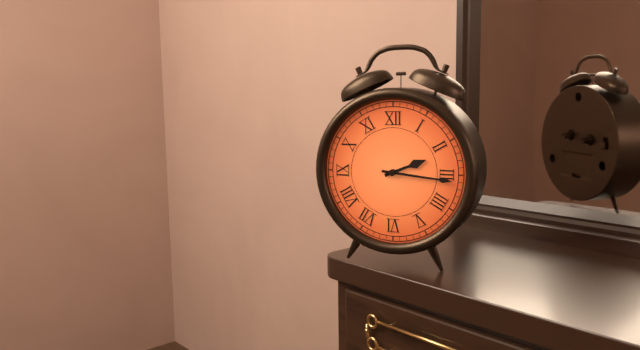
h=2 m=16
